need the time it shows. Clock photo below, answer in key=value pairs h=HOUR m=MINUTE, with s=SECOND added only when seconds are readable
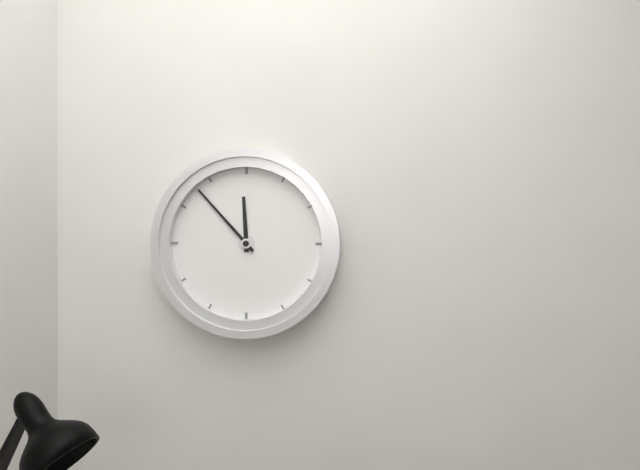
h=11 m=53
